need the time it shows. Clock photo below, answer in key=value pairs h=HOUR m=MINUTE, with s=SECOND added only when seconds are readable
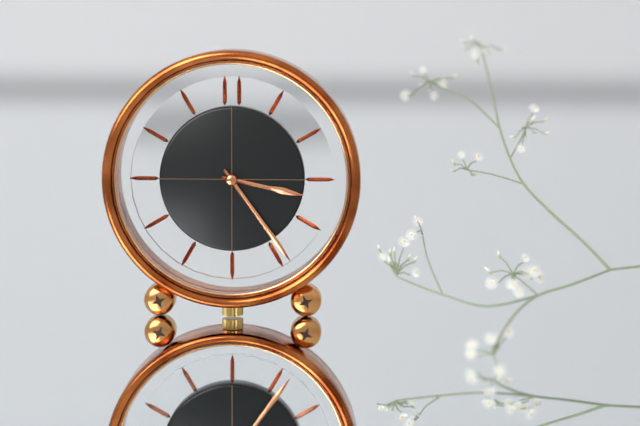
h=3 m=24
